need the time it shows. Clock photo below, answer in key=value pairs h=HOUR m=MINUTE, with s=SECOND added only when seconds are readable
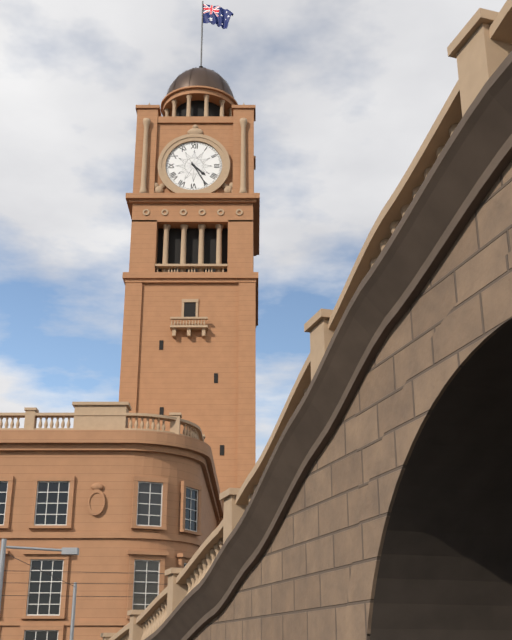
h=4 m=25
